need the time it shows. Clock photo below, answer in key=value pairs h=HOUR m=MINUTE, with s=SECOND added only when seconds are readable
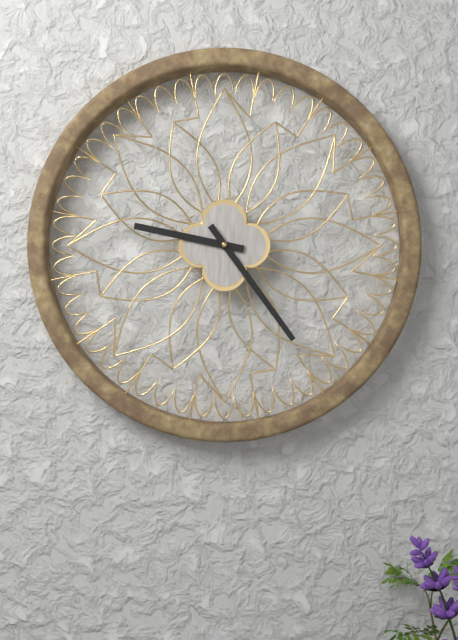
h=9 m=24
